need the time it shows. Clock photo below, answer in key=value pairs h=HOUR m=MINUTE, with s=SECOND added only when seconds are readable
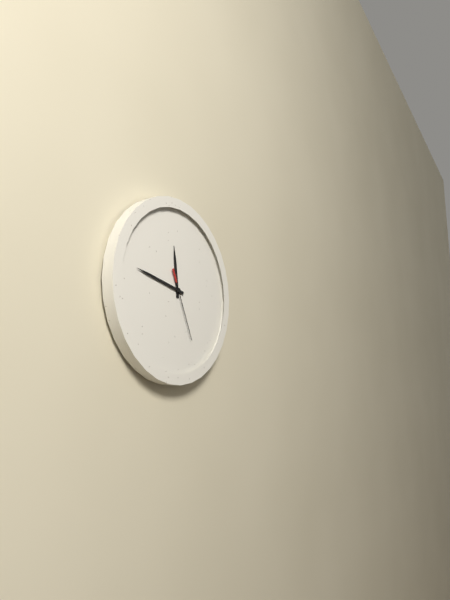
h=11 m=47 s=26
